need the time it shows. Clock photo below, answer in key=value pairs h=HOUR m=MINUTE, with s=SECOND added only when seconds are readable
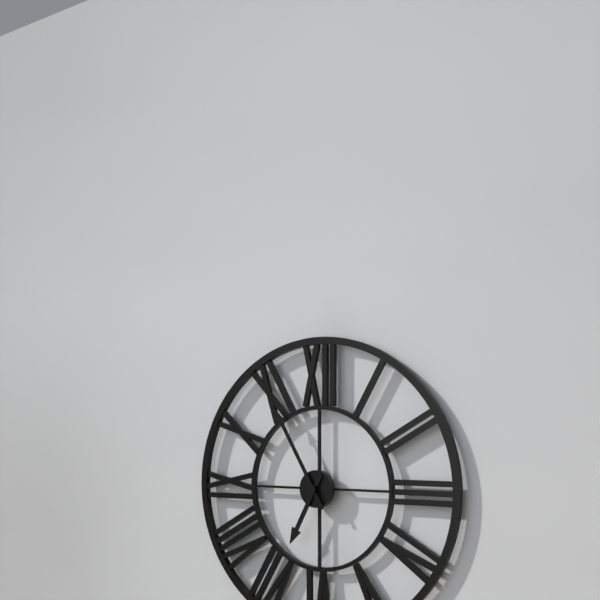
h=6 m=55
